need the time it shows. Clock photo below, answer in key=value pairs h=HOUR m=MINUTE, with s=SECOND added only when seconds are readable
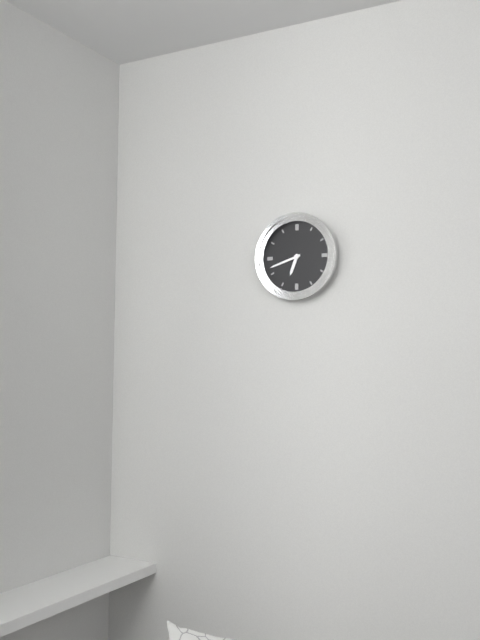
h=6 m=42
